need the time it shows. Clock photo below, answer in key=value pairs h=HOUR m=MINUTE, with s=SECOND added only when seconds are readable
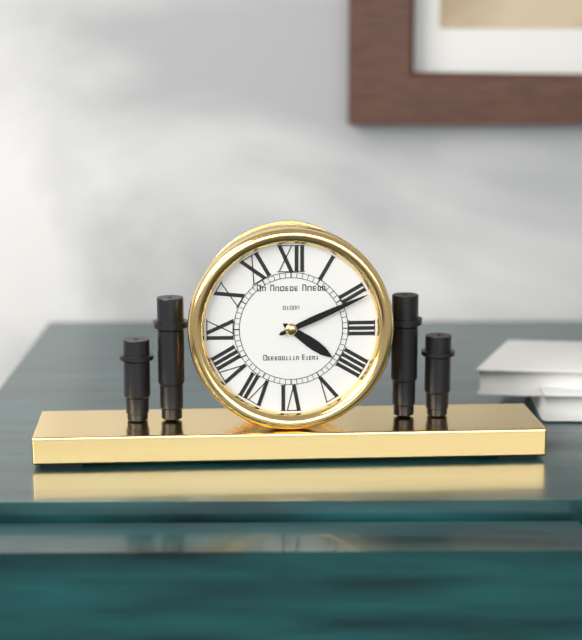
h=4 m=11
